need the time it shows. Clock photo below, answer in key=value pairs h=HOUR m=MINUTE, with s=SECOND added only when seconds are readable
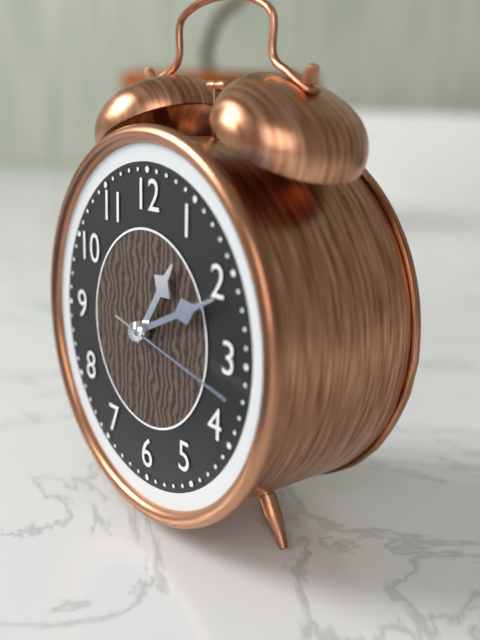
h=1 m=11 s=17
